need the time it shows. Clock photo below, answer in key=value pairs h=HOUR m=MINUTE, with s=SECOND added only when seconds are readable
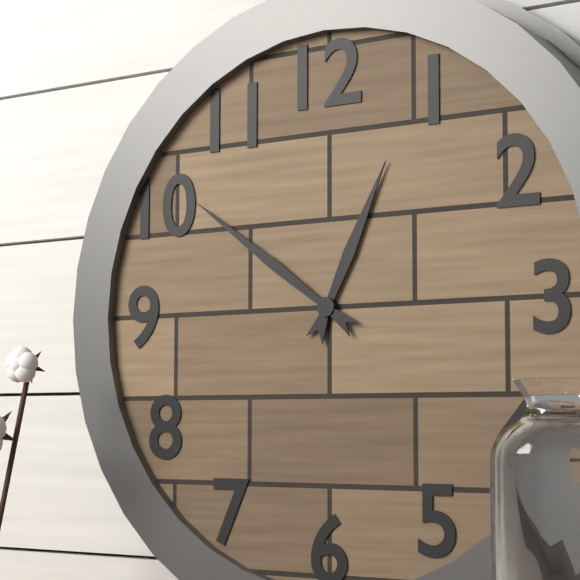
h=12 m=51
